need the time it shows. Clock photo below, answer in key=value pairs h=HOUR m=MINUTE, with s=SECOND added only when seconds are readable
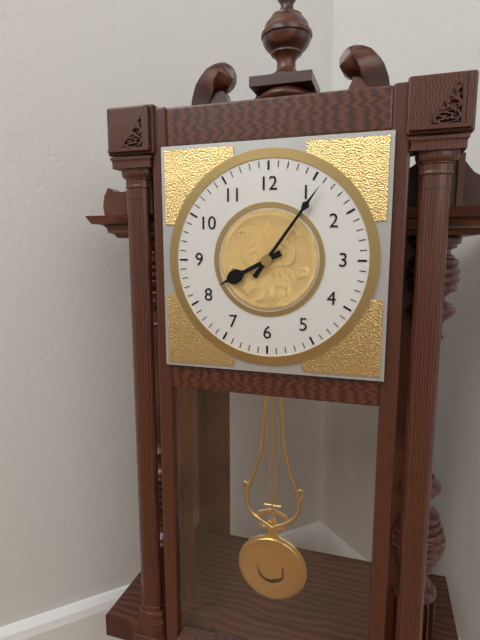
h=8 m=6
